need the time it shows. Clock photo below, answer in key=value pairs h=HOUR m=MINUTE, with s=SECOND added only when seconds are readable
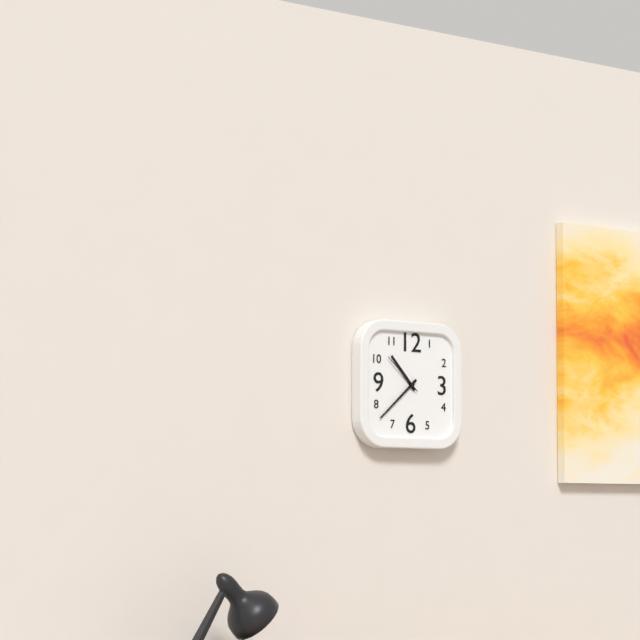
h=10 m=38
